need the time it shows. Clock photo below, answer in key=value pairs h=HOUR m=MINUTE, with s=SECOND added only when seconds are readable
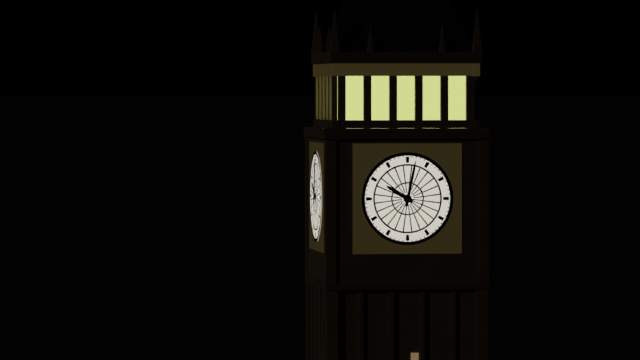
h=10 m=2
